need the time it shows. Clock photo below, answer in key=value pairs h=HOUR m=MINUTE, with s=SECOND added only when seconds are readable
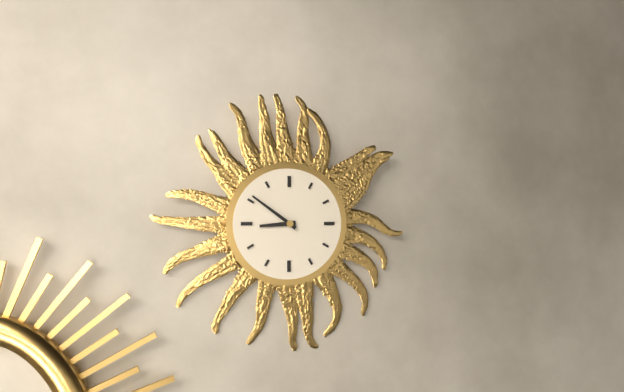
h=8 m=51
